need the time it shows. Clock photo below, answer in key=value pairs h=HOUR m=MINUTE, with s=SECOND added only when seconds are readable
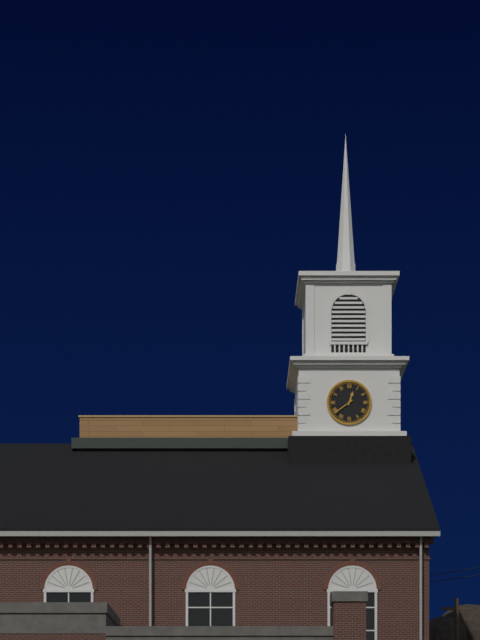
h=12 m=39
